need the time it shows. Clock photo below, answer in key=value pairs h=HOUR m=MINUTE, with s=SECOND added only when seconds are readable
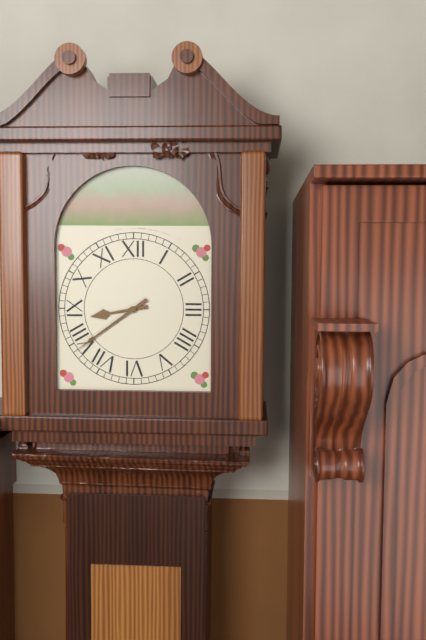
h=8 m=39
